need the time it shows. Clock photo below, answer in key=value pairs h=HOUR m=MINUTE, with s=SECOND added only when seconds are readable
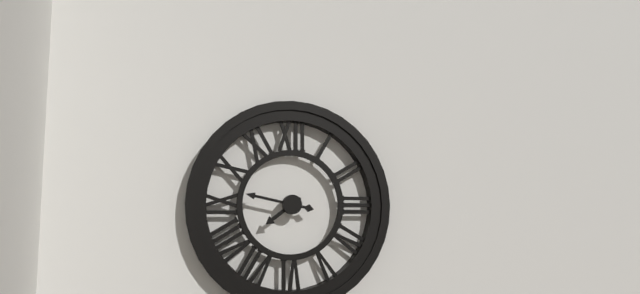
h=7 m=47
